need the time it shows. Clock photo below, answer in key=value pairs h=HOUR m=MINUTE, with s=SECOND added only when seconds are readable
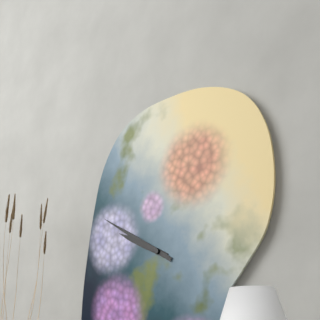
h=9 m=50
